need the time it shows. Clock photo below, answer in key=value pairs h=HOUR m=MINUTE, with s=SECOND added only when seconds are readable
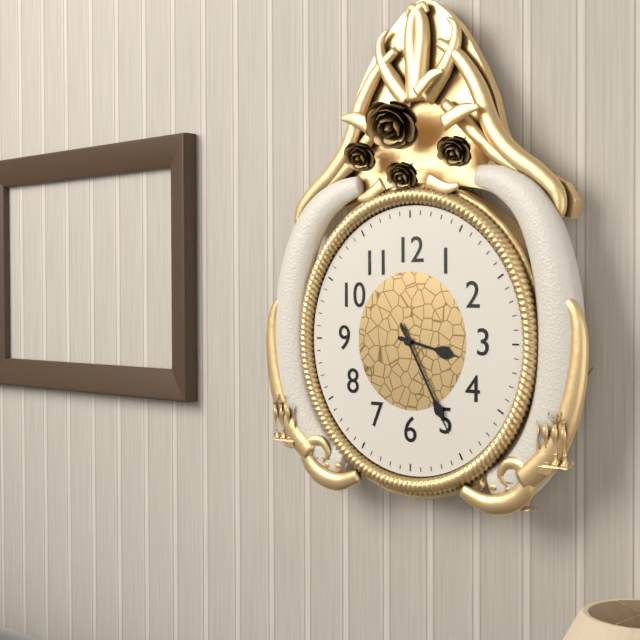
h=3 m=25
